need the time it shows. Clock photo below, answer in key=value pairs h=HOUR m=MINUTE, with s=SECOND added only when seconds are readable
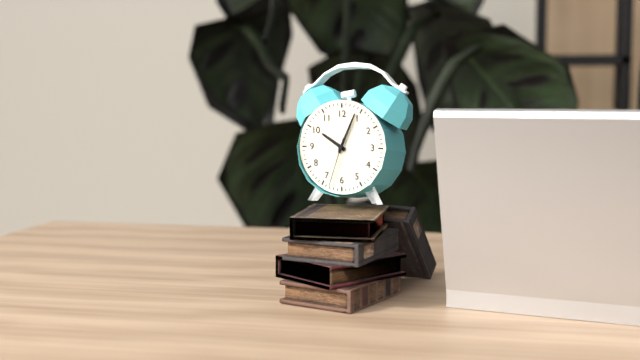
h=10 m=4 s=33
